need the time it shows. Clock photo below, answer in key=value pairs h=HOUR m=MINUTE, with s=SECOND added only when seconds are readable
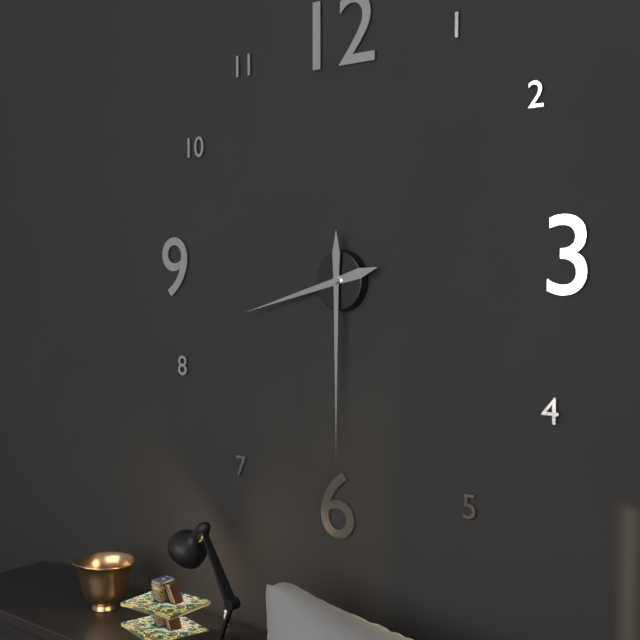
h=8 m=30
